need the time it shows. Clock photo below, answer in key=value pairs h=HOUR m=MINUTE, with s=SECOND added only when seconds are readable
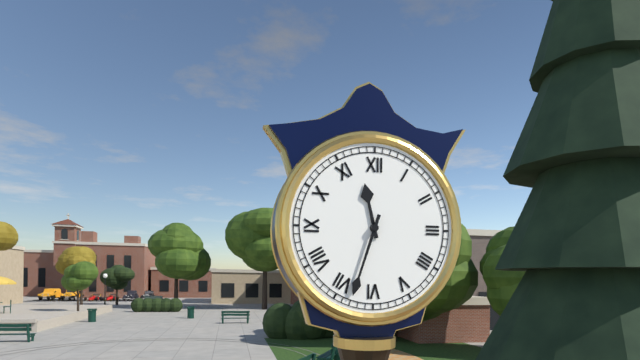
h=11 m=33
